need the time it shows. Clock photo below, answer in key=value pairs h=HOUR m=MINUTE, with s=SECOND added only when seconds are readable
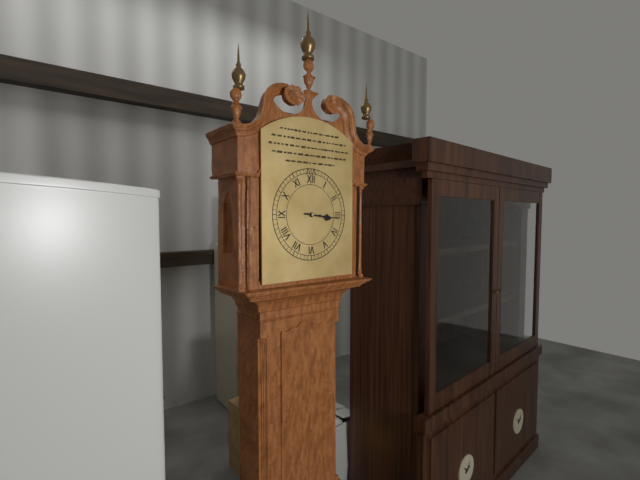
h=3 m=16
